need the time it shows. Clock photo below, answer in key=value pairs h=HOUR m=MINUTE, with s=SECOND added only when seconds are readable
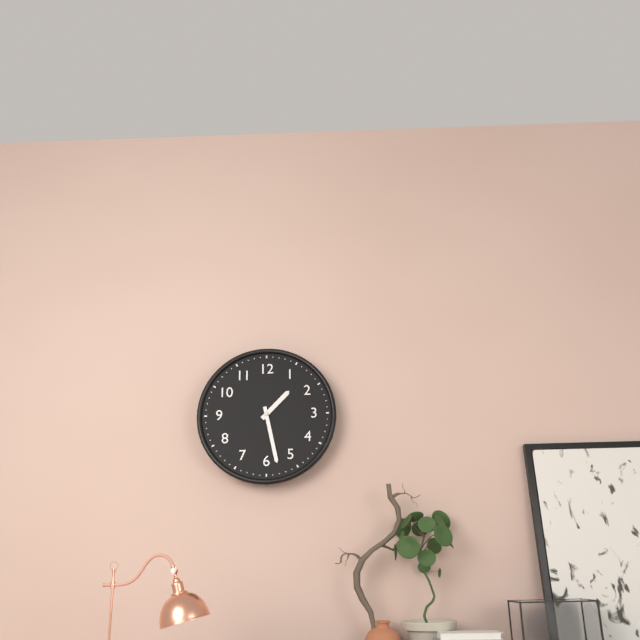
h=1 m=28
